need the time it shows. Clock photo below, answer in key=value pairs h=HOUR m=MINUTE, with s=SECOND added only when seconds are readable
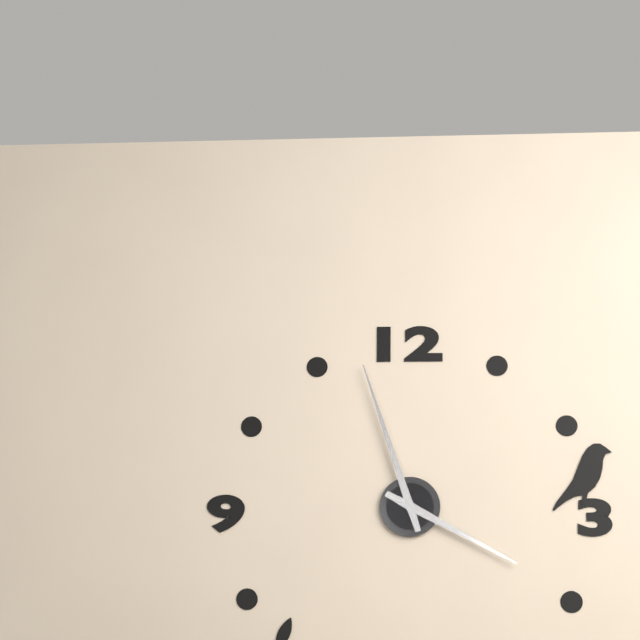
h=3 m=57
